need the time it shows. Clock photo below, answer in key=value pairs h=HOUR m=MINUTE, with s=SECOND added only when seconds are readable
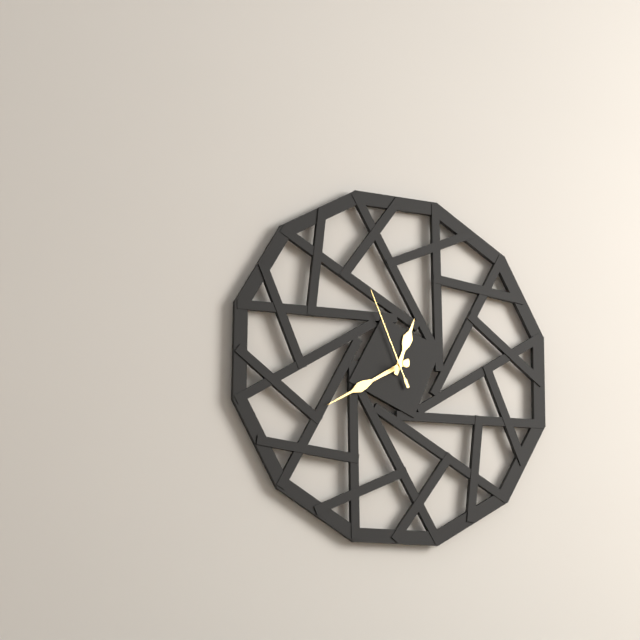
h=12 m=40 s=56
